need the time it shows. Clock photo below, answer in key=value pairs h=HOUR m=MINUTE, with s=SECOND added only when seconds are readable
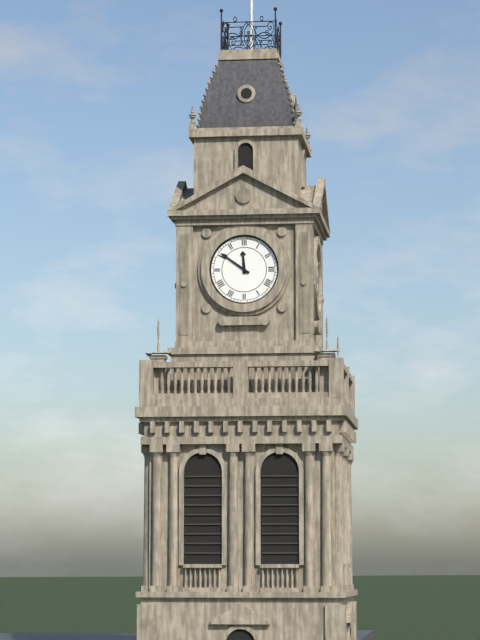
h=11 m=51
